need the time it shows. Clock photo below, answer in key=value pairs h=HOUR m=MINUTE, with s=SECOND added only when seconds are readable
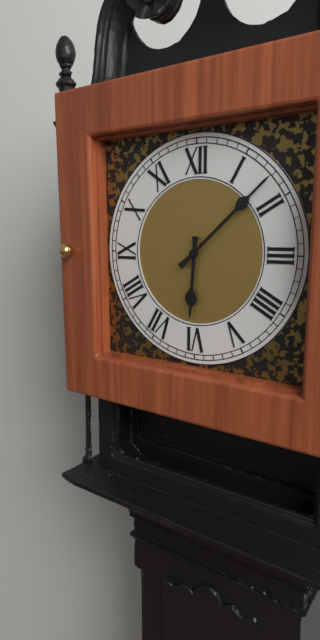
h=6 m=8
